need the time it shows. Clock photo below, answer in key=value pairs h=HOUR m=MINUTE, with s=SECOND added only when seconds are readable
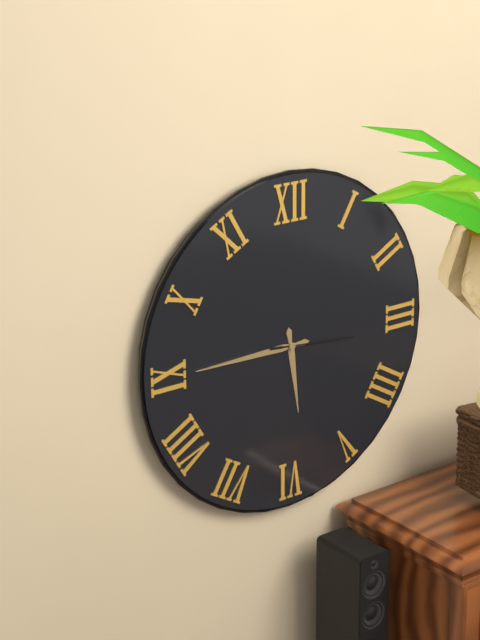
h=5 m=45 s=16
